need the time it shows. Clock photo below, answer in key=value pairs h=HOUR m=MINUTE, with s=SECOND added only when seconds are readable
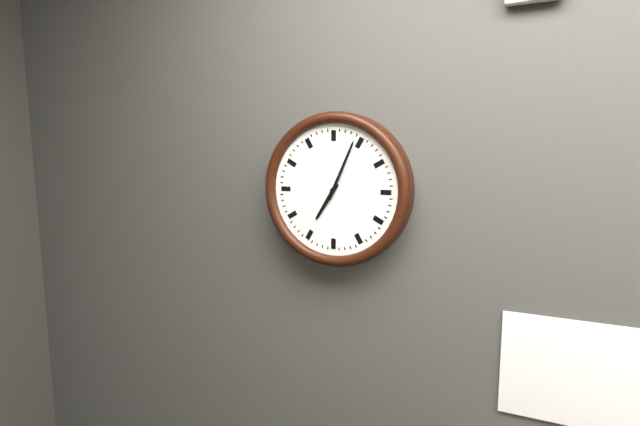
h=7 m=4
